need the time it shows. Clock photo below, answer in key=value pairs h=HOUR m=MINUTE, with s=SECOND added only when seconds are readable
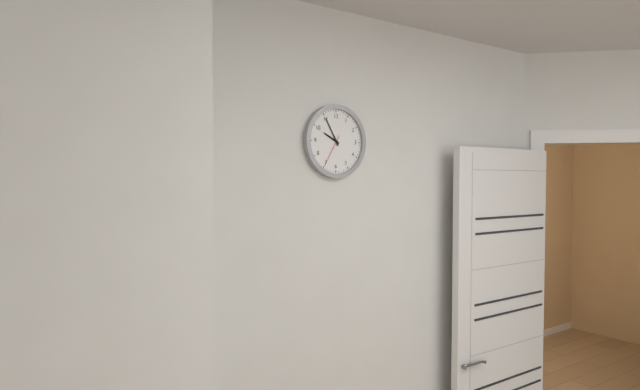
h=9 m=55
